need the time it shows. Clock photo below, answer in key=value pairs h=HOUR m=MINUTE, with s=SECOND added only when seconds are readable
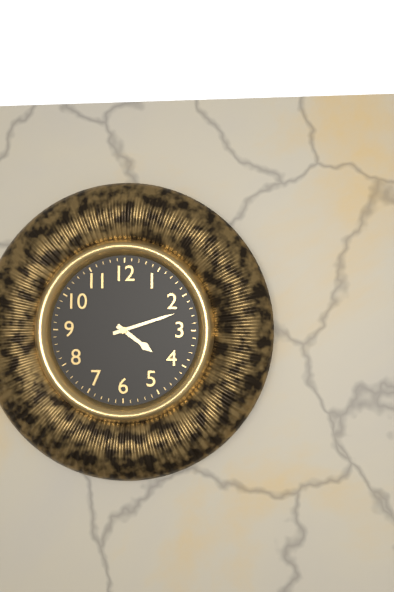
h=4 m=12
